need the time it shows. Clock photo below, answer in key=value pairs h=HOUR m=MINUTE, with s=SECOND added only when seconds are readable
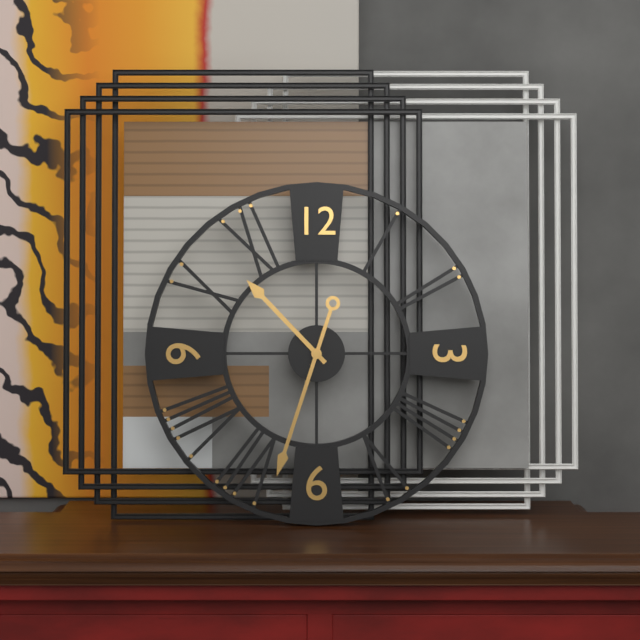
h=10 m=33
